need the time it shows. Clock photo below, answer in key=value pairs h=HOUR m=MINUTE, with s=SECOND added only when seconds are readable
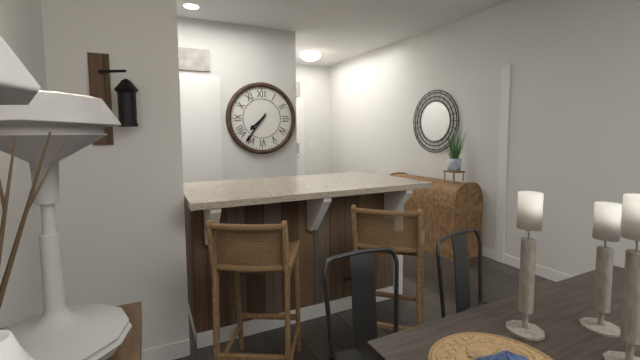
h=7 m=36
